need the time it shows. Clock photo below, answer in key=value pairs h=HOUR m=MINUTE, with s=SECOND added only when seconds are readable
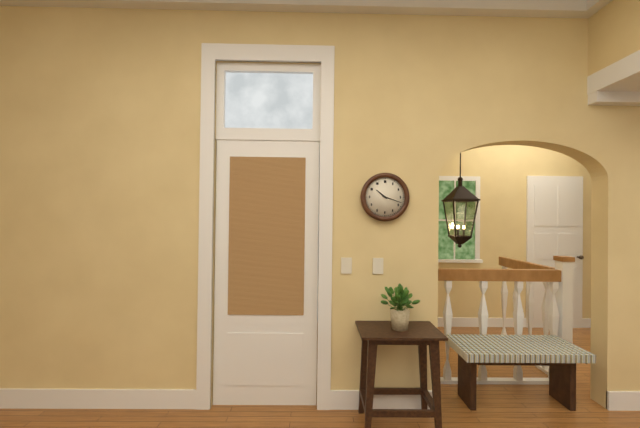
h=10 m=18
